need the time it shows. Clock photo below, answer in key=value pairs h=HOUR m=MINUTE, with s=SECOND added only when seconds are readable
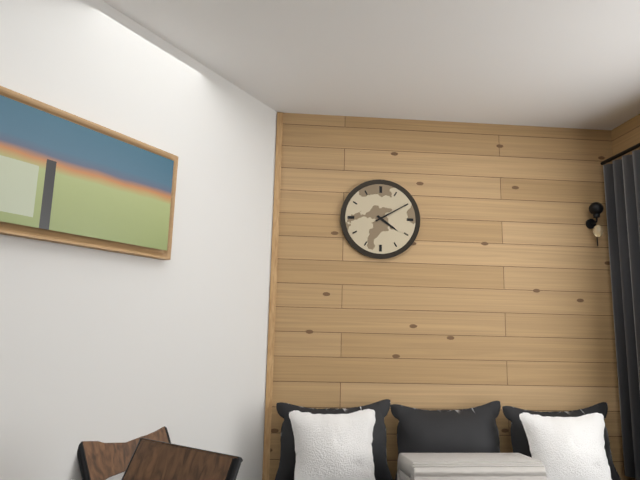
h=4 m=10
